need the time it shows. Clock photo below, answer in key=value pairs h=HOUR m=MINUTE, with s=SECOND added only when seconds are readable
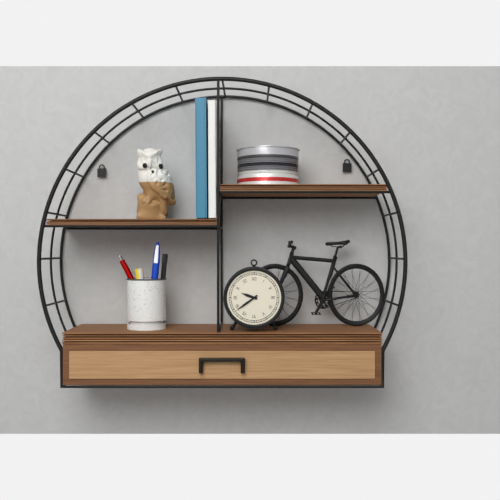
h=9 m=39
